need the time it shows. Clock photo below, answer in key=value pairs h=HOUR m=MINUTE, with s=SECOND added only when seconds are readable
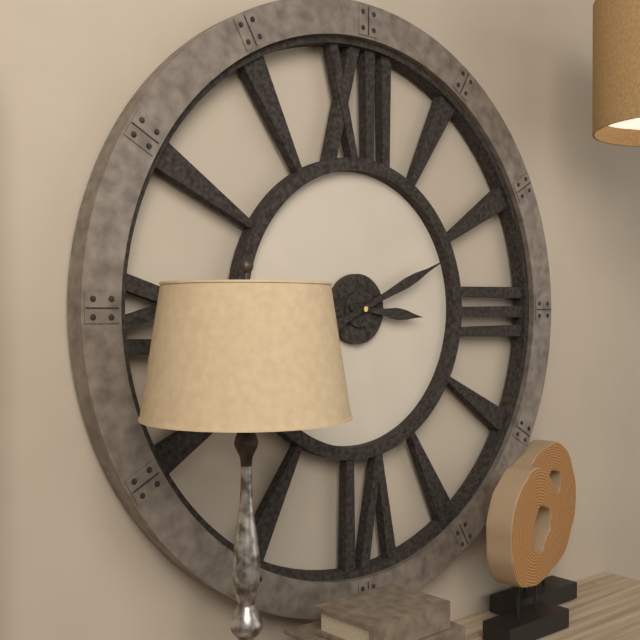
h=3 m=11
